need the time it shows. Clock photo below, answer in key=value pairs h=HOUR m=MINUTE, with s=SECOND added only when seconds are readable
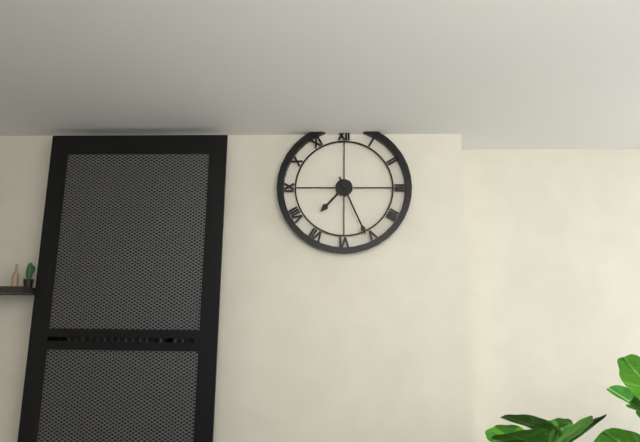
h=7 m=26
